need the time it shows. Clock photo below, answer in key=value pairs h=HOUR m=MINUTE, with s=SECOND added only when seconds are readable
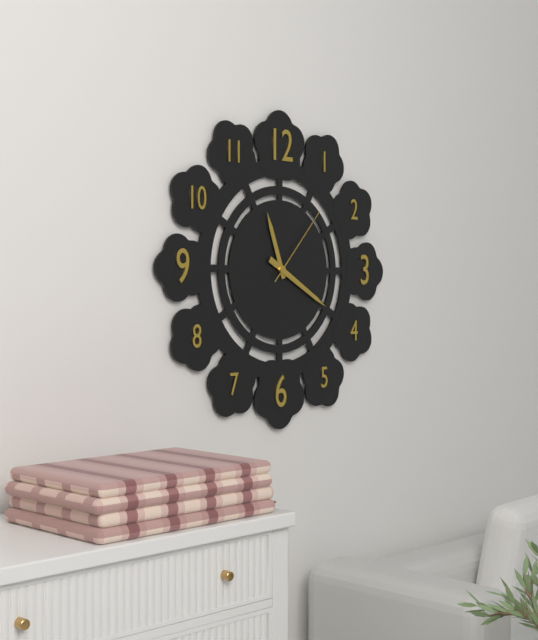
h=11 m=20 s=7
